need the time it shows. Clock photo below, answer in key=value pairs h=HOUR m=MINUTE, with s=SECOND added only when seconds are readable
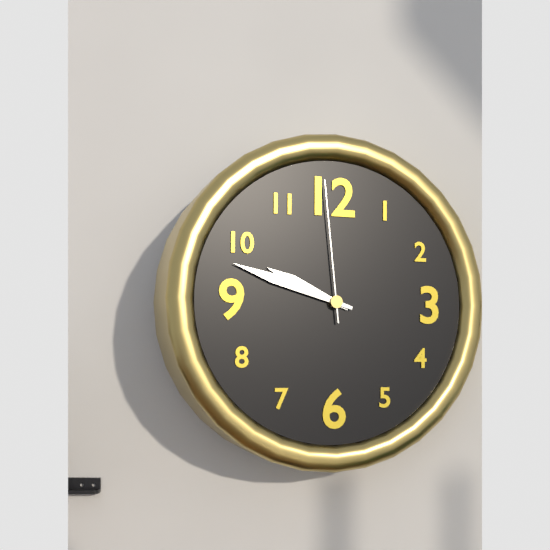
h=9 m=48 s=59
